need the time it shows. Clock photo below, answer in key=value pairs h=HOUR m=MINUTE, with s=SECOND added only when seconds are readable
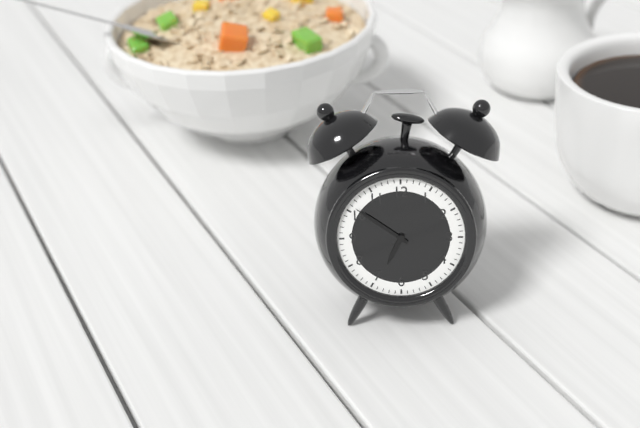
h=6 m=51
